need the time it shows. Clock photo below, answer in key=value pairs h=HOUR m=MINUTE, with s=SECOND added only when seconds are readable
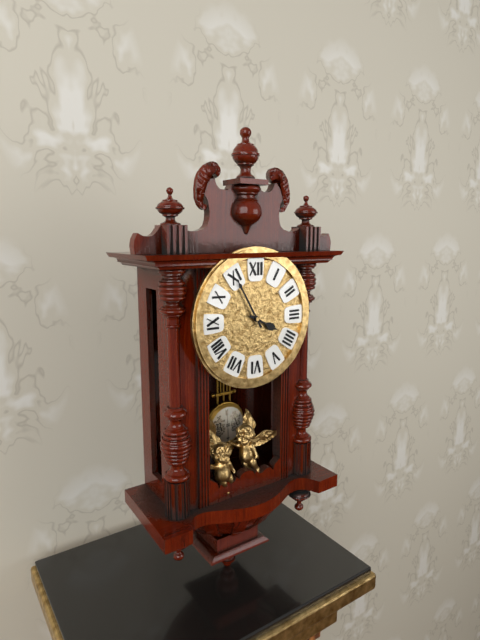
h=3 m=55
